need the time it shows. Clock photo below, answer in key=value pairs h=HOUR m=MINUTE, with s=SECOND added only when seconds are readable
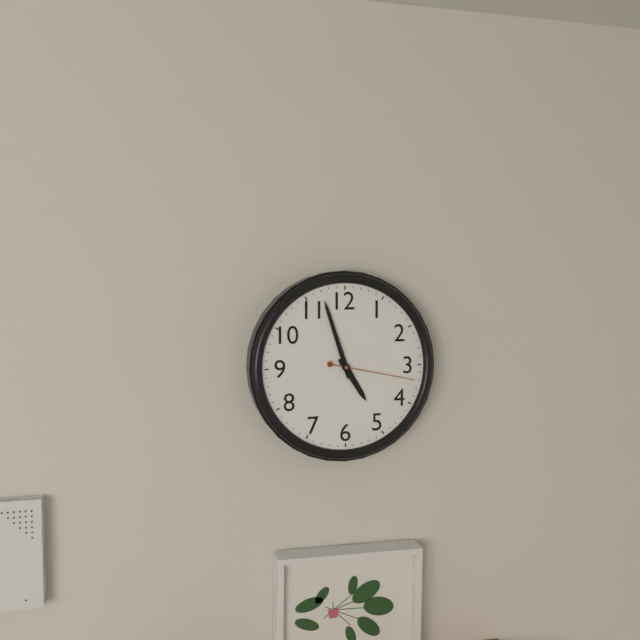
h=4 m=57 s=17
